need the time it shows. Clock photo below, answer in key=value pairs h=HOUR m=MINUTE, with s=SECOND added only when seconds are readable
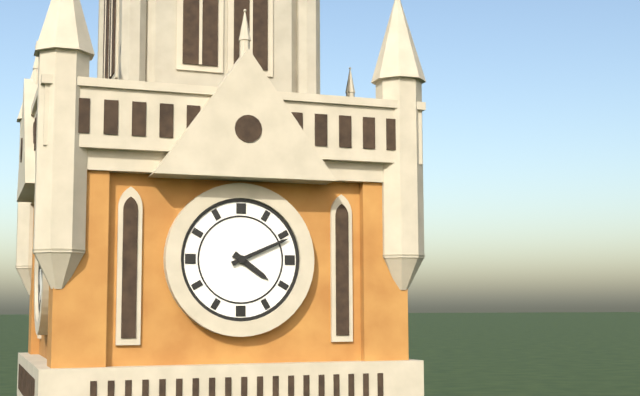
h=4 m=11
